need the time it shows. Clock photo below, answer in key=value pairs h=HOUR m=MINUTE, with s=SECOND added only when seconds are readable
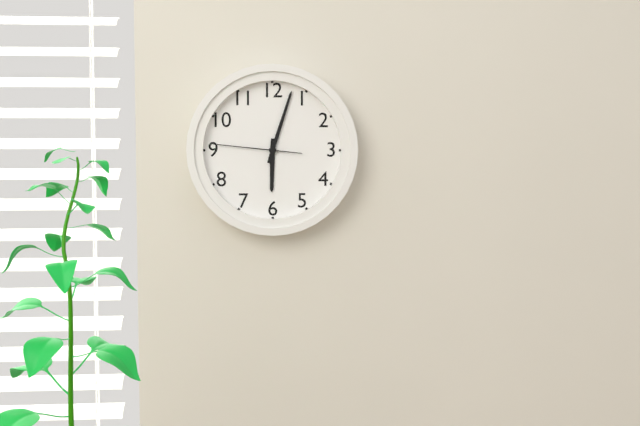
h=6 m=3 s=46
